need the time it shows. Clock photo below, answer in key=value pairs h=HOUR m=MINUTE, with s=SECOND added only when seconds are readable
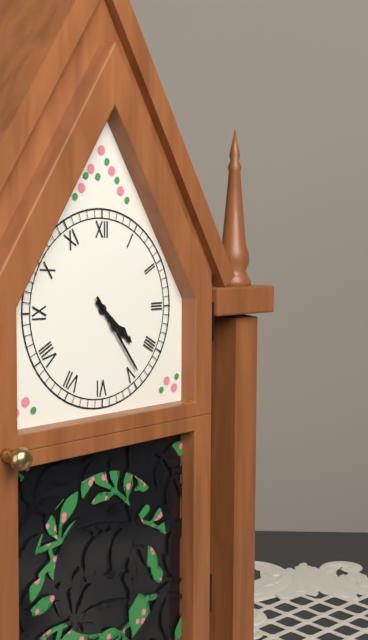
h=4 m=24
